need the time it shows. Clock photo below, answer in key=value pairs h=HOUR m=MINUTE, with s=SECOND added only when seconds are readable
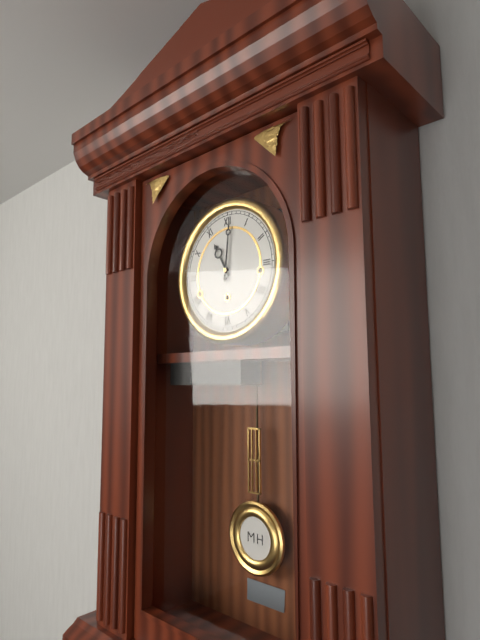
h=11 m=1
